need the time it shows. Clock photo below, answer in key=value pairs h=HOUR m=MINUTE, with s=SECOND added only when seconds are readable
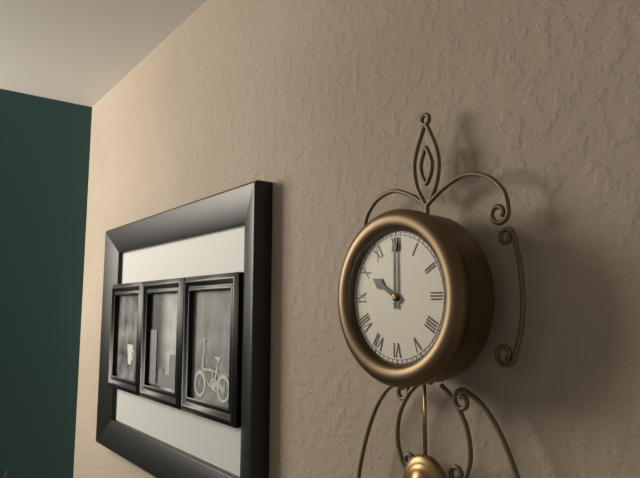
h=10 m=0
